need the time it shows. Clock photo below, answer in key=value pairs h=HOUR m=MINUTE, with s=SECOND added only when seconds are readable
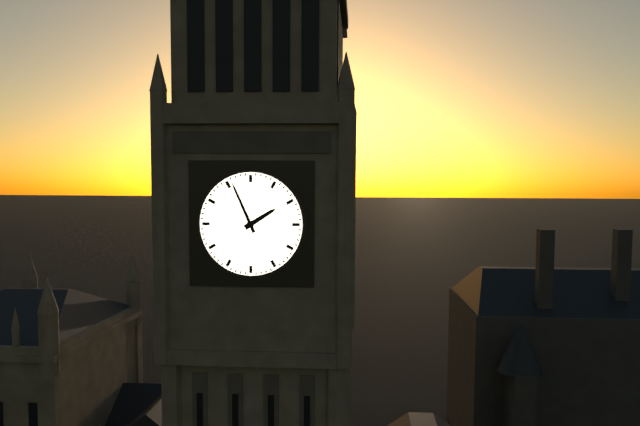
h=1 m=56
